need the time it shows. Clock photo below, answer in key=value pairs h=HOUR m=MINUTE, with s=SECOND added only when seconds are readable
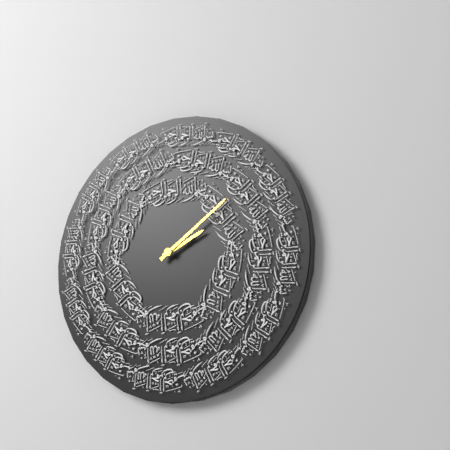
h=2 m=9
